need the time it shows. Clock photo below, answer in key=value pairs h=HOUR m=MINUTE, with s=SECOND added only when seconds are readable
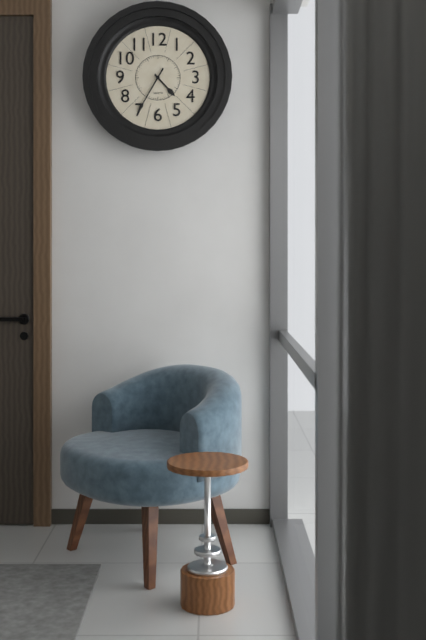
h=4 m=35
